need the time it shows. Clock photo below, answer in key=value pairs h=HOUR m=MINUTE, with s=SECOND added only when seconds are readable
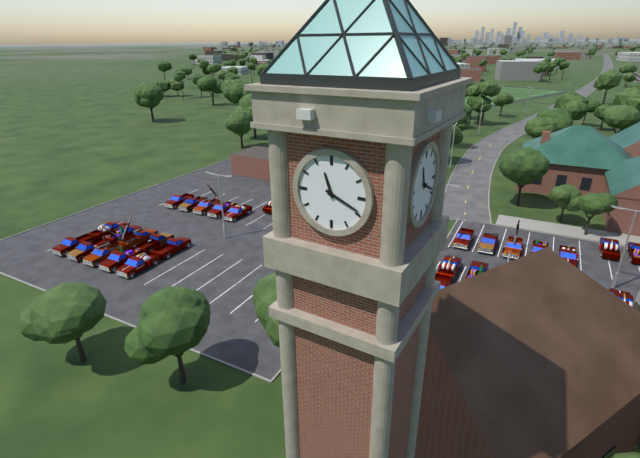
h=11 m=19
